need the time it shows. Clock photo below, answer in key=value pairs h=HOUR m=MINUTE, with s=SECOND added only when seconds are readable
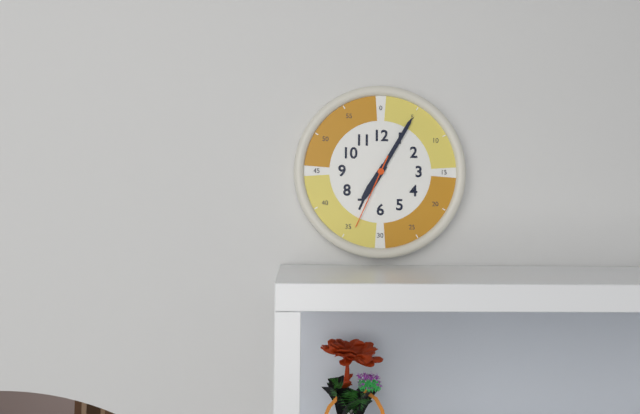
h=7 m=5 s=34
